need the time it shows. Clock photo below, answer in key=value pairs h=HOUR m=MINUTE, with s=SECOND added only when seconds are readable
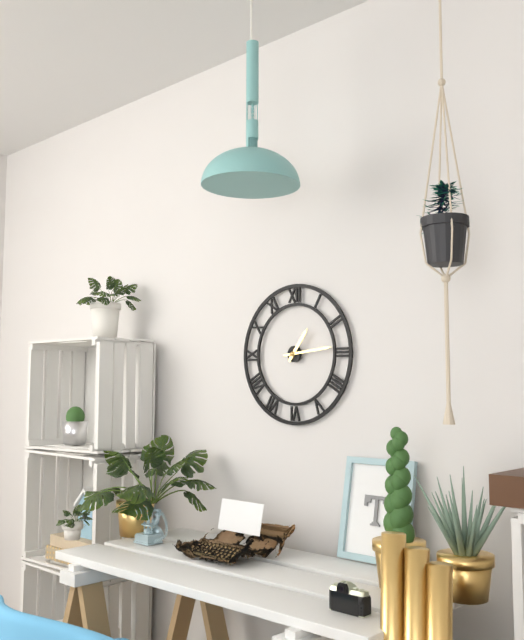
h=1 m=14
